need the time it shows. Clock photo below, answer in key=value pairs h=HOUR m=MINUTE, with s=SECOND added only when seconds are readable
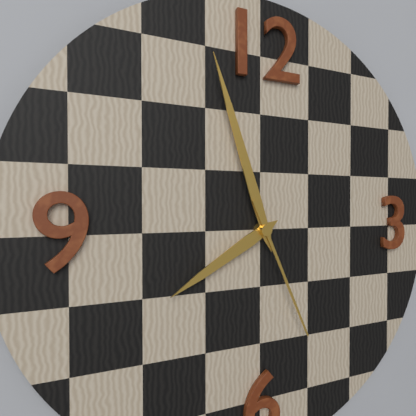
h=7 m=57 s=26
